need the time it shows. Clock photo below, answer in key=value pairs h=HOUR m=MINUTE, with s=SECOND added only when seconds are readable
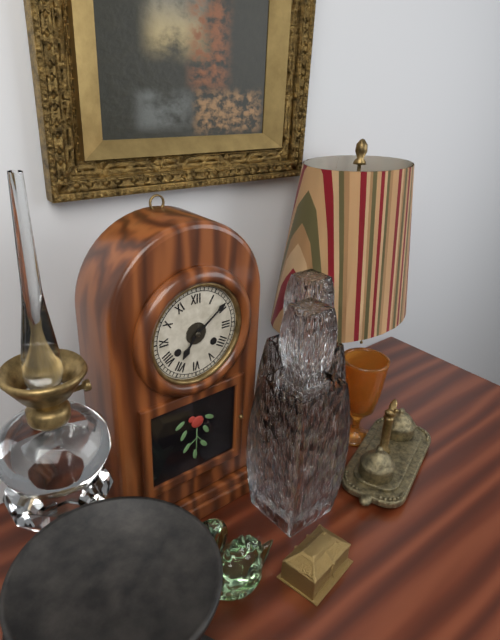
h=7 m=9
